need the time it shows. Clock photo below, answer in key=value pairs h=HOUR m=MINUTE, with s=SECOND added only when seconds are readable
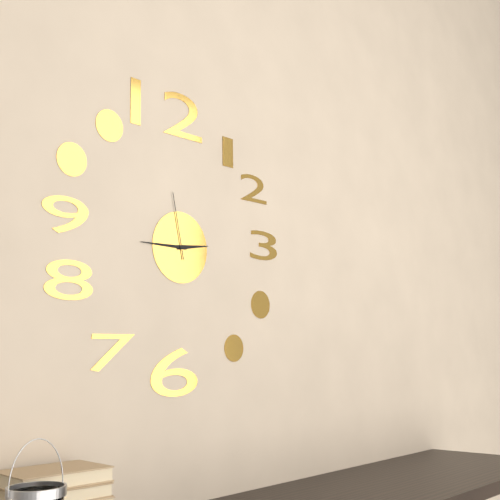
h=2 m=45 s=58
